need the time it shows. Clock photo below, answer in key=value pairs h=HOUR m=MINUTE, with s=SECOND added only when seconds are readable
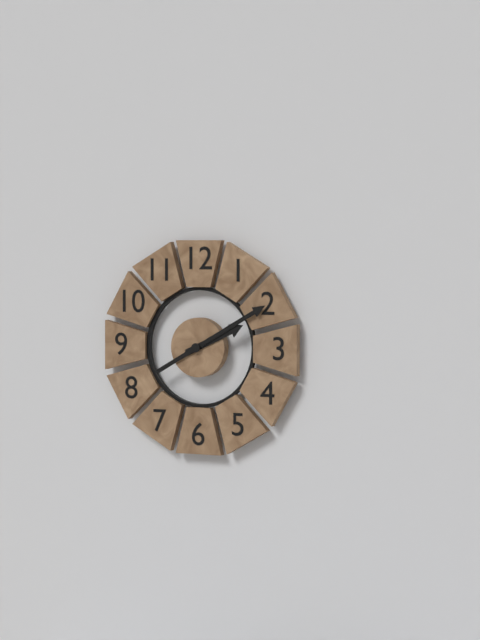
h=2 m=10
